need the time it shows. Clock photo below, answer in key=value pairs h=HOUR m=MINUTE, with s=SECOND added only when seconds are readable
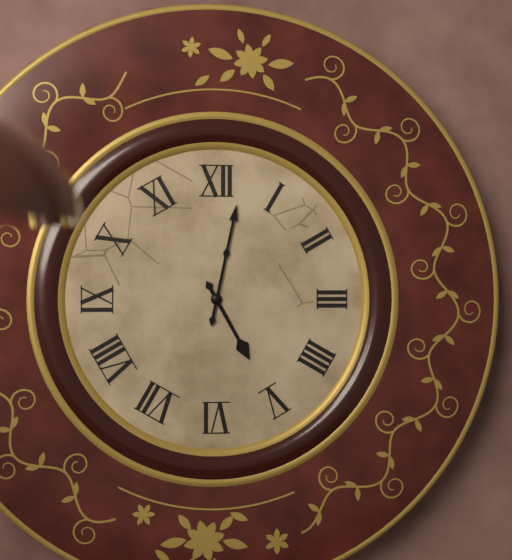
h=5 m=2
